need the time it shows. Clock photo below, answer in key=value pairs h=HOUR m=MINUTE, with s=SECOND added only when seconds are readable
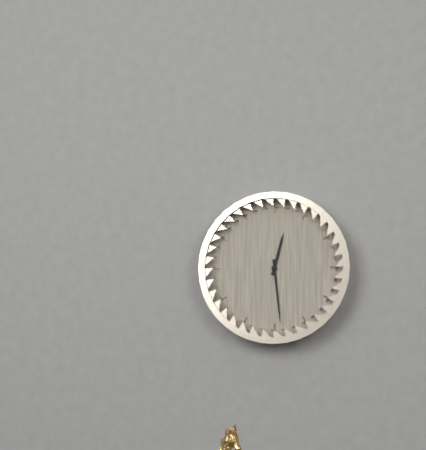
h=12 m=29
